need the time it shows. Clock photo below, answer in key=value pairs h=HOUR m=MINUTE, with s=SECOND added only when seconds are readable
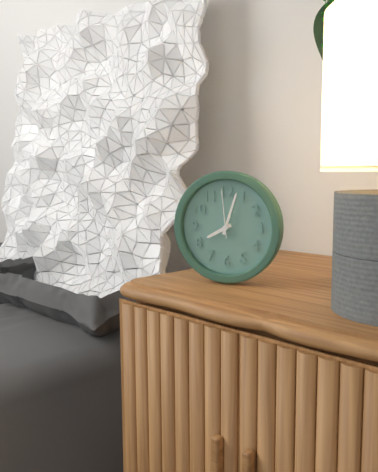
h=8 m=3
